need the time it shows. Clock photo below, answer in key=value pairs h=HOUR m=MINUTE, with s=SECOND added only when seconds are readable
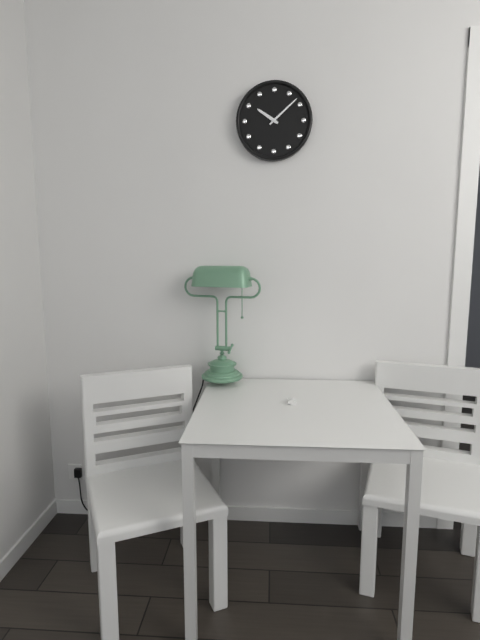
h=10 m=8
